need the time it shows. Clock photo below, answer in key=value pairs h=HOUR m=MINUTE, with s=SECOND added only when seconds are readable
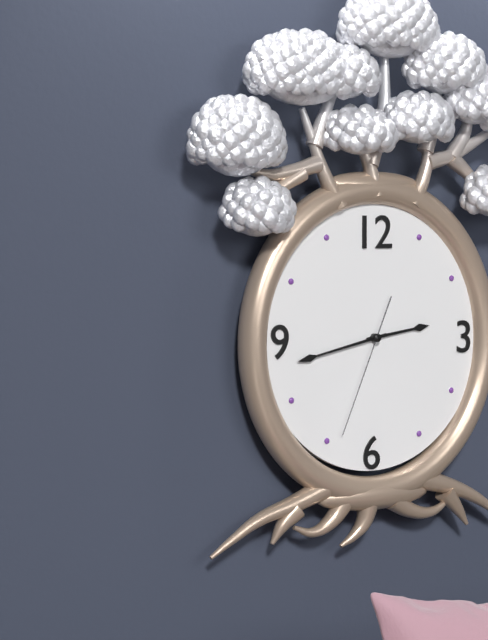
h=2 m=43 s=34
